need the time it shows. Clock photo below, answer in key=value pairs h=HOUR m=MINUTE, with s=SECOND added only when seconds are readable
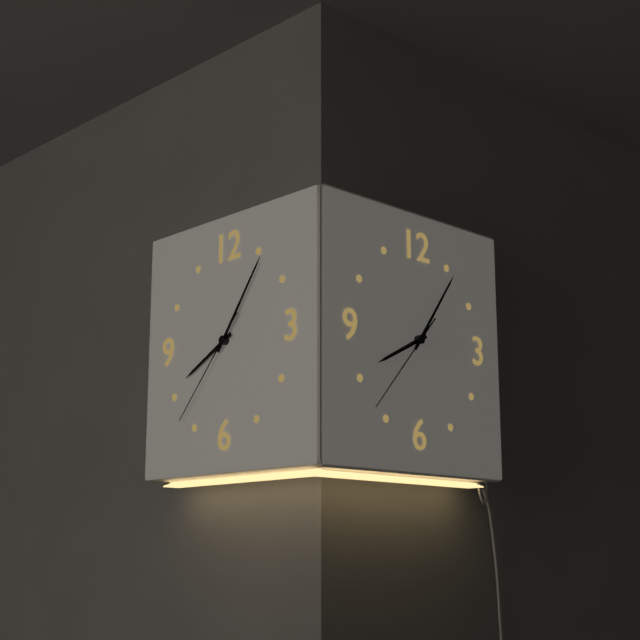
h=8 m=6 s=37
